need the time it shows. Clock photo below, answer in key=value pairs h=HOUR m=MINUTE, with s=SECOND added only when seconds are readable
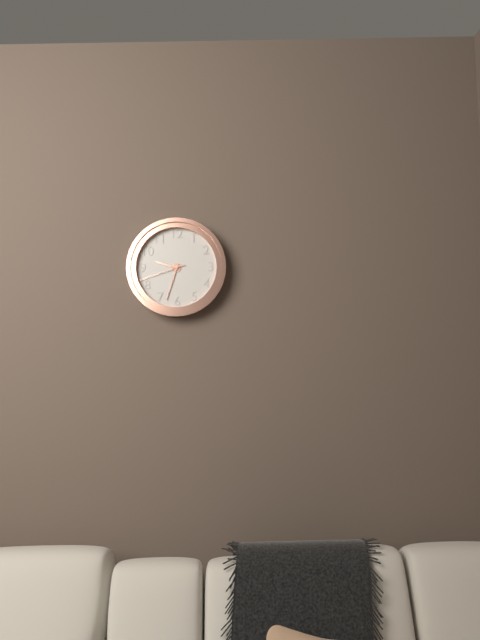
h=9 m=33 s=42
